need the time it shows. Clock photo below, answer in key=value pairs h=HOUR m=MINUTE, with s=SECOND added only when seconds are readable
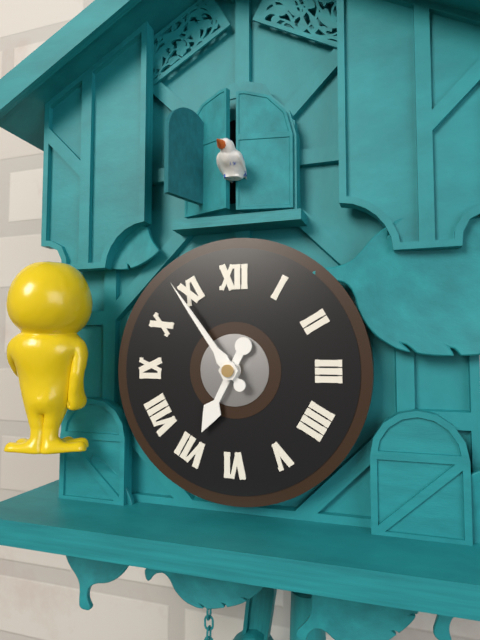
h=6 m=54
